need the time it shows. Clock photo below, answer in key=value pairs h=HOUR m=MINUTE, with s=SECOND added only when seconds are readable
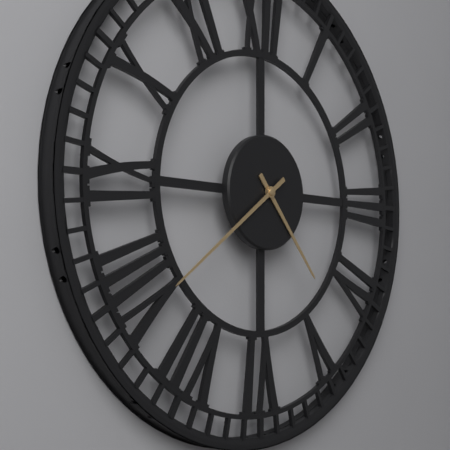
h=4 m=39
